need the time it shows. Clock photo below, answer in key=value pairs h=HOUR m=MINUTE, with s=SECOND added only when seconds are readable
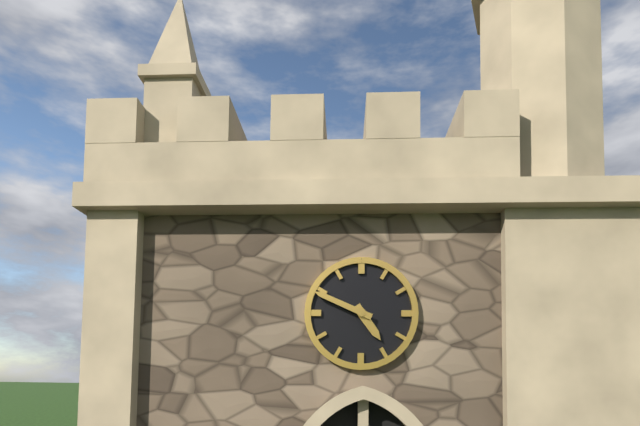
h=4 m=49
